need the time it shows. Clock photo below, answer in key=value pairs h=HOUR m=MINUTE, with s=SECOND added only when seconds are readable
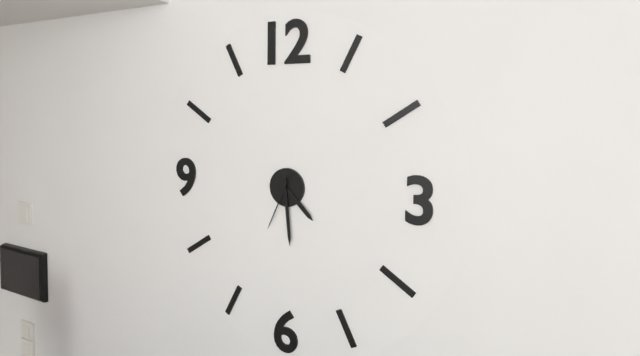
h=4 m=29 s=34
